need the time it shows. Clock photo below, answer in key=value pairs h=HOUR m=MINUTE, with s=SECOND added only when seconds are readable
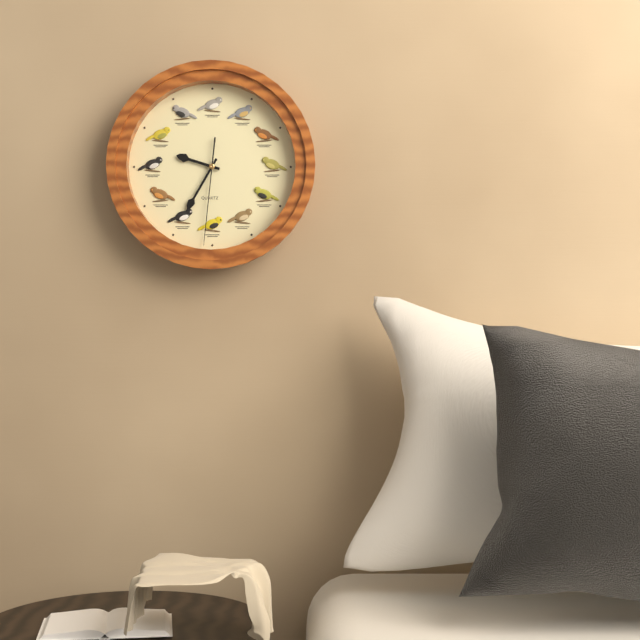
h=9 m=35 s=31
